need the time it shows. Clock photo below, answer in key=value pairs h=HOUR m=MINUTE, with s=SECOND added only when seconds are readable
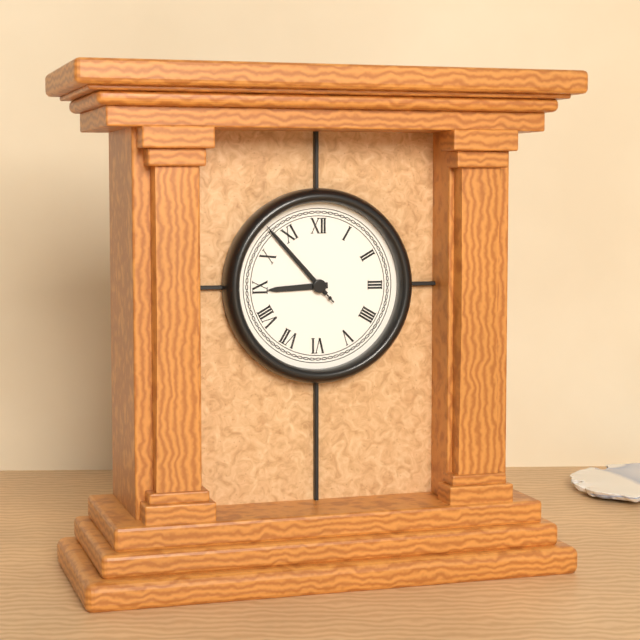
h=8 m=53 s=53
